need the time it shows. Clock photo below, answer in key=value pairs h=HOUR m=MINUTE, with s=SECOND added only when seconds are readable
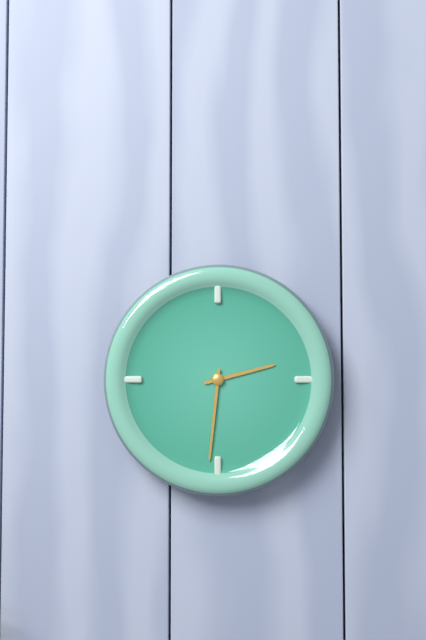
h=2 m=31
